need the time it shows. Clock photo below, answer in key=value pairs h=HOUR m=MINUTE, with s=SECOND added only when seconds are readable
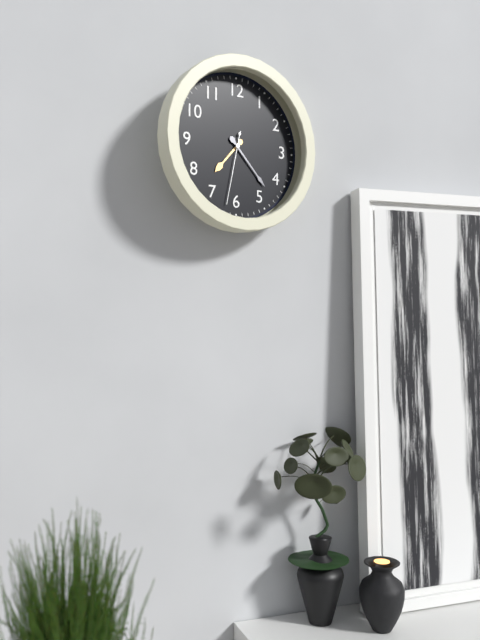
h=7 m=23 s=32
